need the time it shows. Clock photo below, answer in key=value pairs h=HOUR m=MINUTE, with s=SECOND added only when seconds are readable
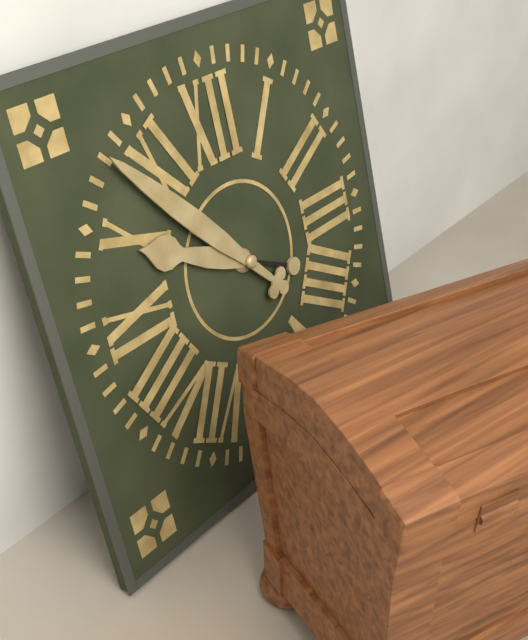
h=9 m=53
